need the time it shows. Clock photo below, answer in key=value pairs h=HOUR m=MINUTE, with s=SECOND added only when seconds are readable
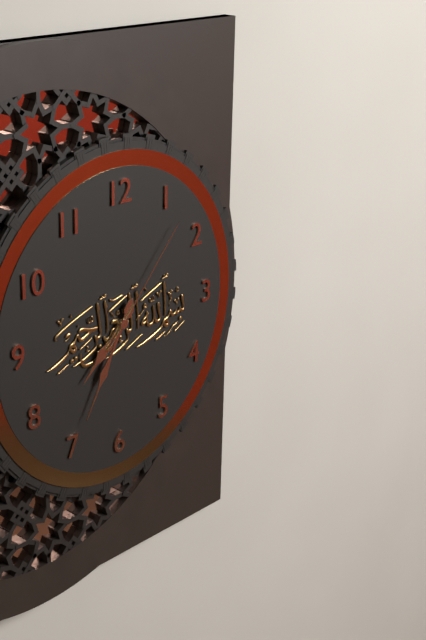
h=7 m=35 s=7
